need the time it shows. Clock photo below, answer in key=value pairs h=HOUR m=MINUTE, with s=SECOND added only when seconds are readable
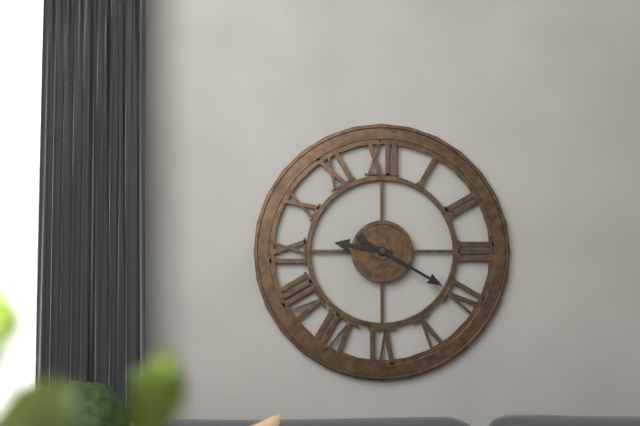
h=9 m=20
